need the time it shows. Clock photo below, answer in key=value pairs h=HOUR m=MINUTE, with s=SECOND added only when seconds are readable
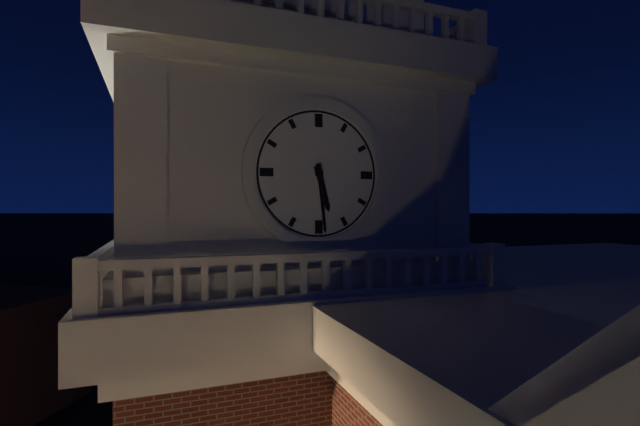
h=5 m=29
